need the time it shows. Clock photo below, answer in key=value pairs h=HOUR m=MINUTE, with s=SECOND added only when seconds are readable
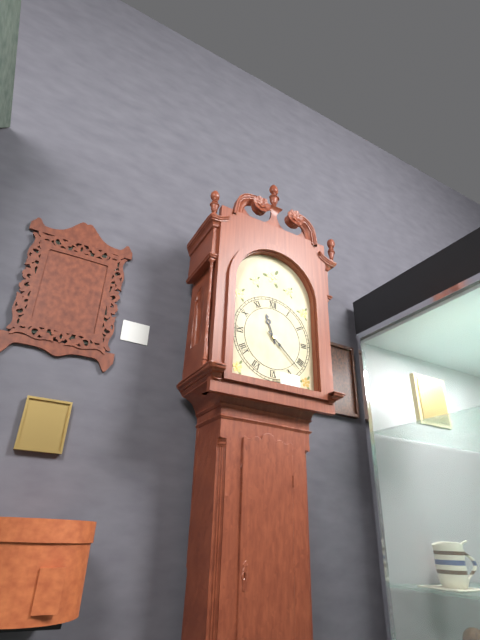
h=11 m=22
